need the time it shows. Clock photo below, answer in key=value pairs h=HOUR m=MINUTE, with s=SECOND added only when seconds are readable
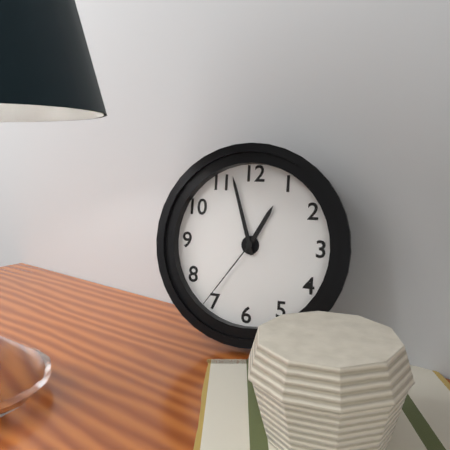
h=12 m=57 s=36
